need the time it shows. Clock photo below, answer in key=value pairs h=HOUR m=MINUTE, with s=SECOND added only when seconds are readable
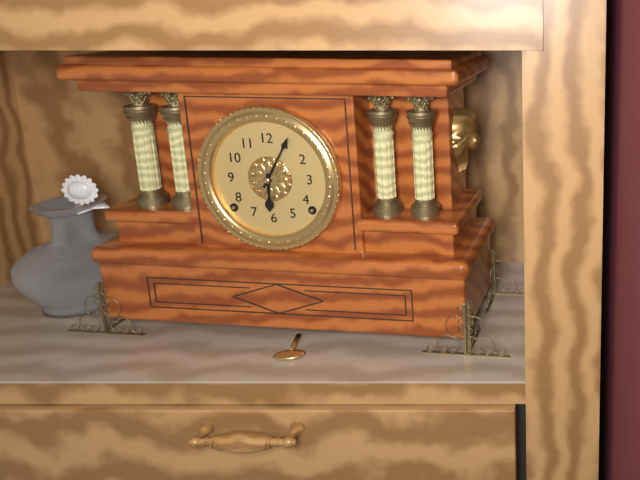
h=6 m=5
